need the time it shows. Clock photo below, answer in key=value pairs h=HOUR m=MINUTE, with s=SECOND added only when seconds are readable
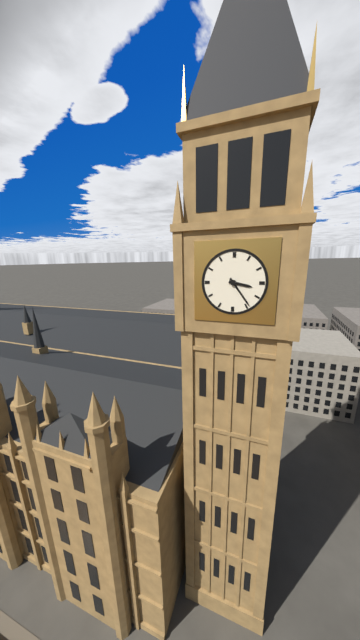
h=3 m=24
